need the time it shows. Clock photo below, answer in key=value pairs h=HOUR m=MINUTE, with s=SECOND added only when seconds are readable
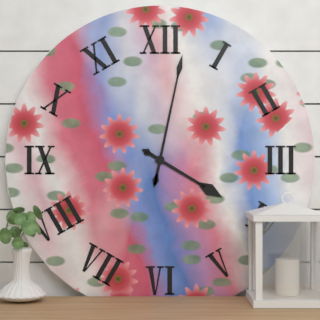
h=4 m=2
